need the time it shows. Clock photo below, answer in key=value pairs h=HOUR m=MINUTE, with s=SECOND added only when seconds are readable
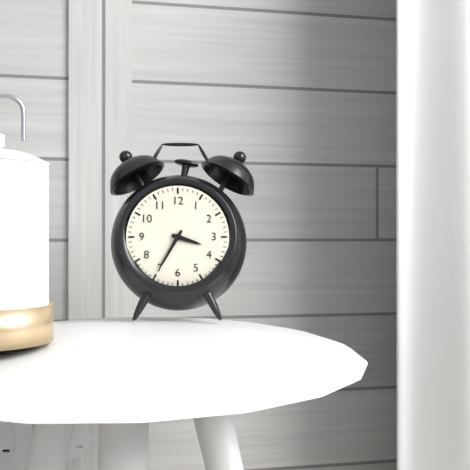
h=3 m=35
